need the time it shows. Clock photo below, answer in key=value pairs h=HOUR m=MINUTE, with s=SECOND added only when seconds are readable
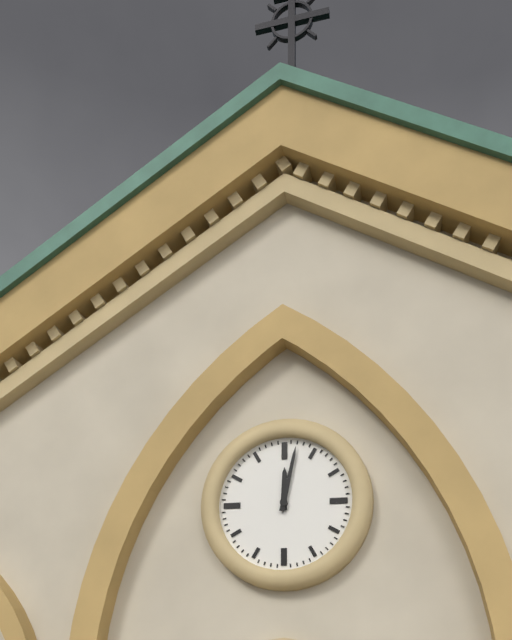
h=12 m=2
